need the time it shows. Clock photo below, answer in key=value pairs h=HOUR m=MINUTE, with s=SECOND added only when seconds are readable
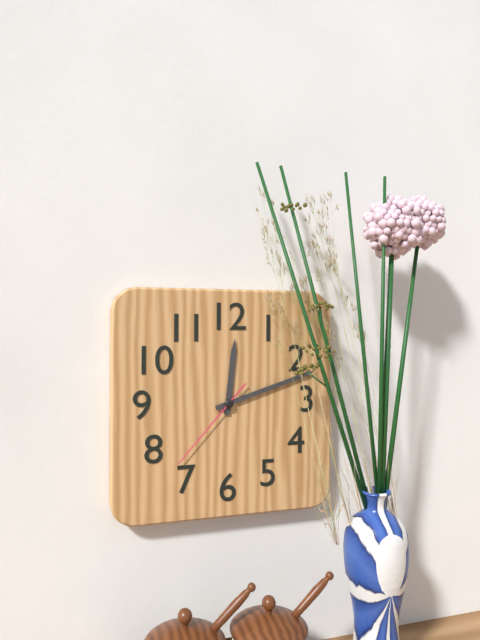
h=12 m=12 s=37
